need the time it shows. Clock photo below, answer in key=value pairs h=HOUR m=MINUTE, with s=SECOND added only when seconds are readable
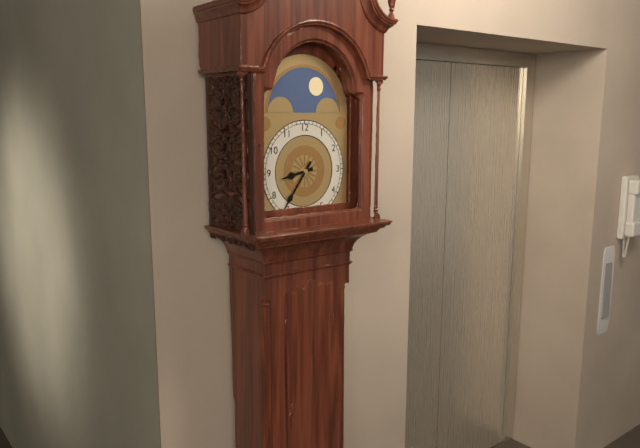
h=8 m=36
